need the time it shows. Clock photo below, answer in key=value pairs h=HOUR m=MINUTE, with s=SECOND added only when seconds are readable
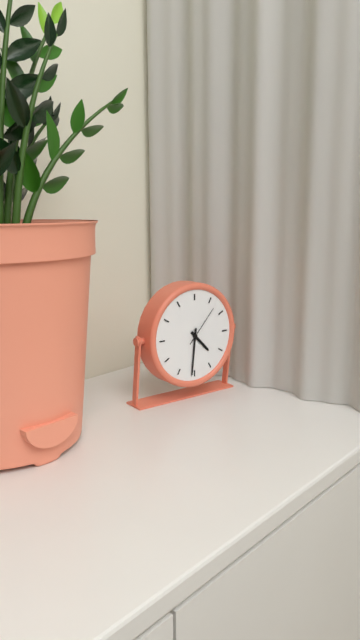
h=4 m=31
